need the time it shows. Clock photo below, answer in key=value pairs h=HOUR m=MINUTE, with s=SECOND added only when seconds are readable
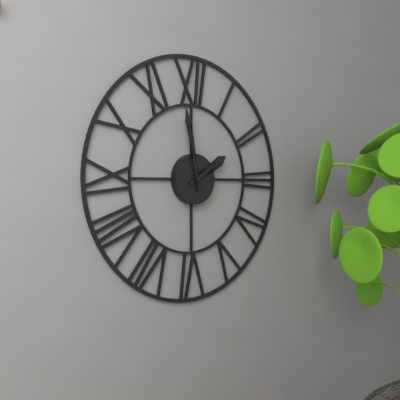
h=1 m=58
